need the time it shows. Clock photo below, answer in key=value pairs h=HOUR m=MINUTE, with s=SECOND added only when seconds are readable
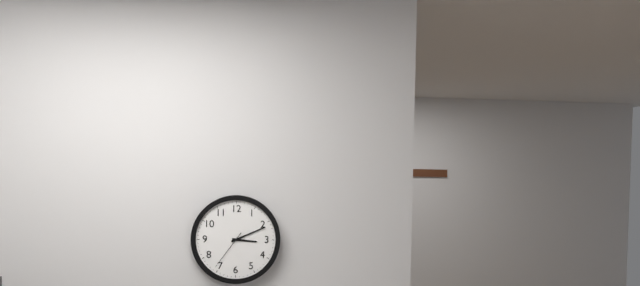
h=3 m=11
